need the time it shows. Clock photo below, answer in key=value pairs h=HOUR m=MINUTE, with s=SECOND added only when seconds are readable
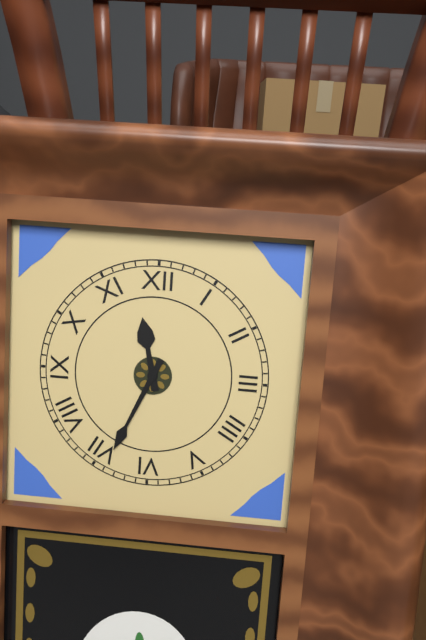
h=11 m=34
